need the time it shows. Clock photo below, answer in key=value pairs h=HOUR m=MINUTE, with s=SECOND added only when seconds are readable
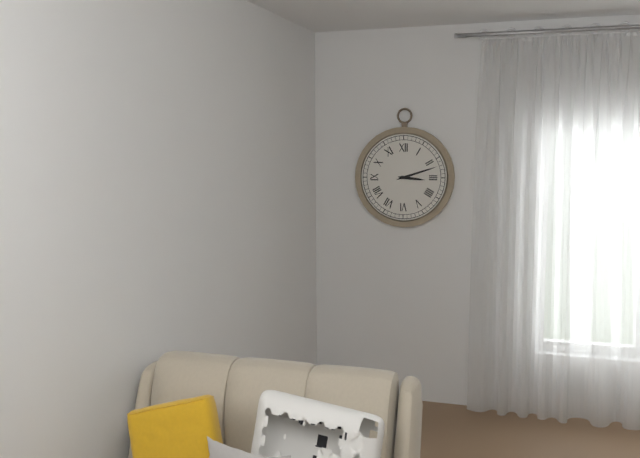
h=3 m=12
